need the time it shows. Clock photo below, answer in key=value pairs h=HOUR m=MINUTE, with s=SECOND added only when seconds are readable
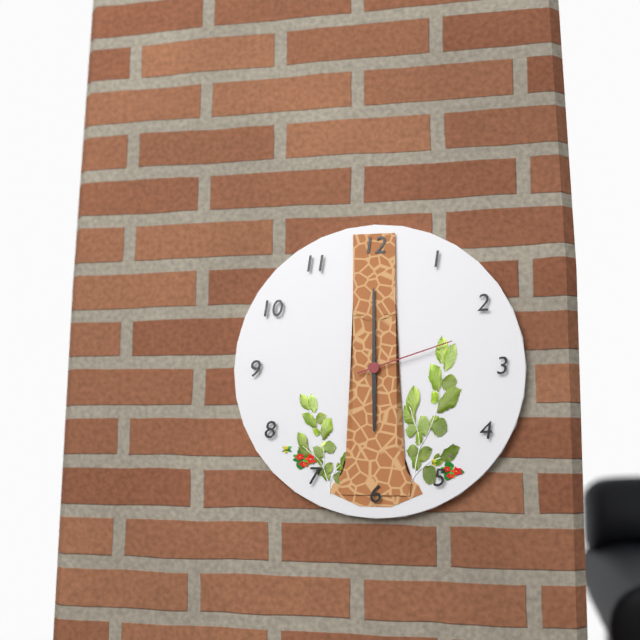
h=6 m=0 s=12
